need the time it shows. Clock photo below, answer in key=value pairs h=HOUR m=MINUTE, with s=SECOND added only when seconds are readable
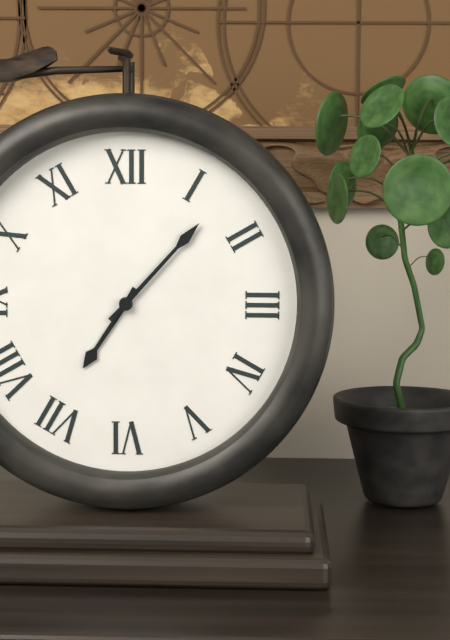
h=7 m=7
